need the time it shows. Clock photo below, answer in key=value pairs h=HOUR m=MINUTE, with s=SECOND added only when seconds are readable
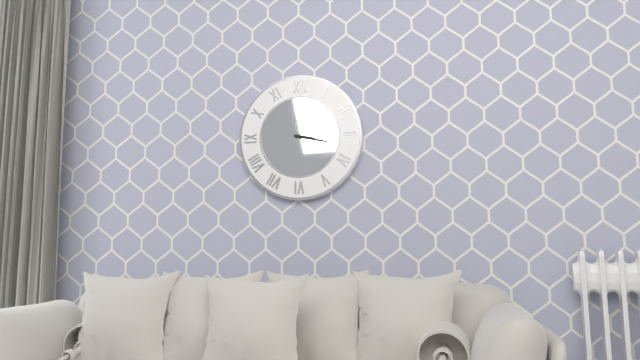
h=3 m=17
